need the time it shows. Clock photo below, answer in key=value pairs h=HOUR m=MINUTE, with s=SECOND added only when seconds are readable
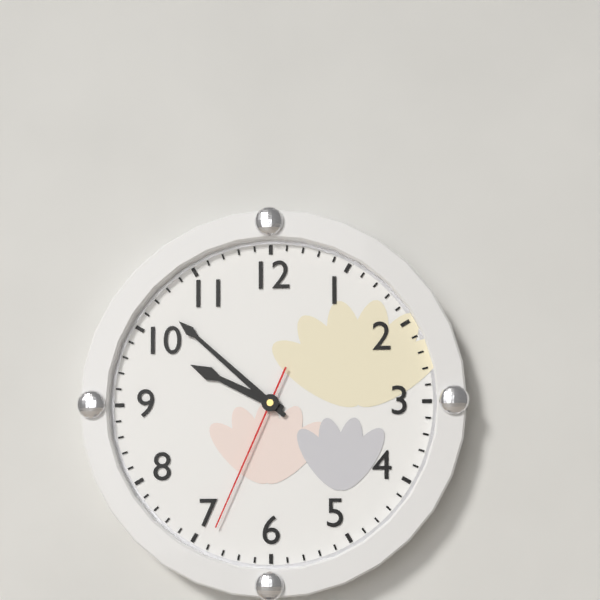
h=9 m=52 s=34
